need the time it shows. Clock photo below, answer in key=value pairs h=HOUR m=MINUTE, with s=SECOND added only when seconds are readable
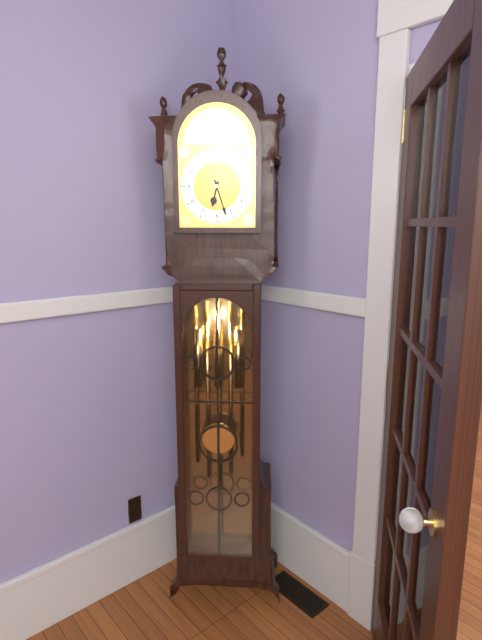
h=6 m=27
